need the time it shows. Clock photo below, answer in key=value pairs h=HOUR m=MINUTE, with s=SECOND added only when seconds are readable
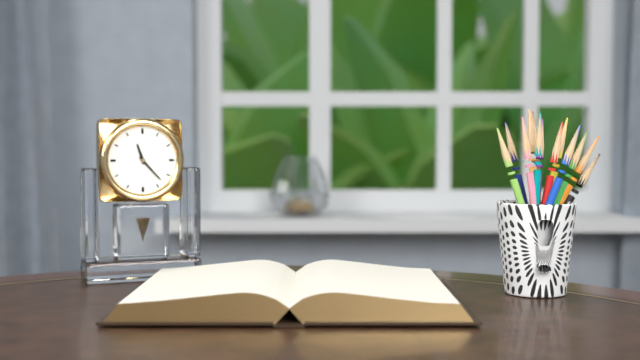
h=11 m=23
